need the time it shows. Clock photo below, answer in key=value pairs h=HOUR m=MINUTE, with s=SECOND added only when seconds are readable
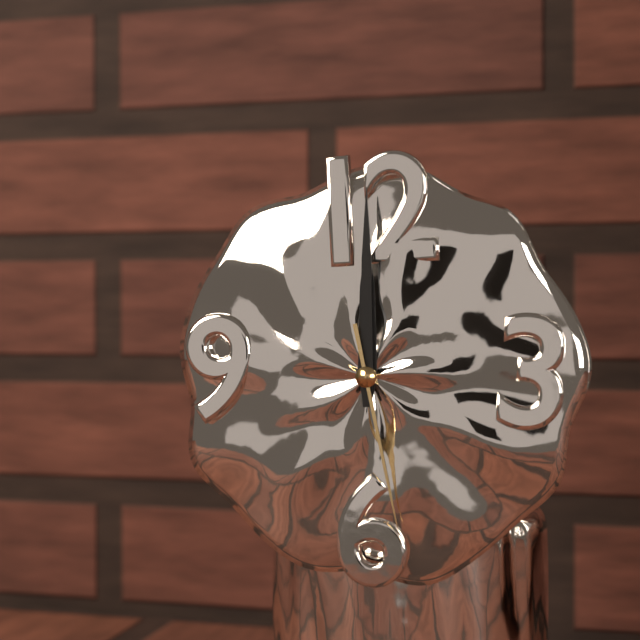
h=12 m=0 s=28
